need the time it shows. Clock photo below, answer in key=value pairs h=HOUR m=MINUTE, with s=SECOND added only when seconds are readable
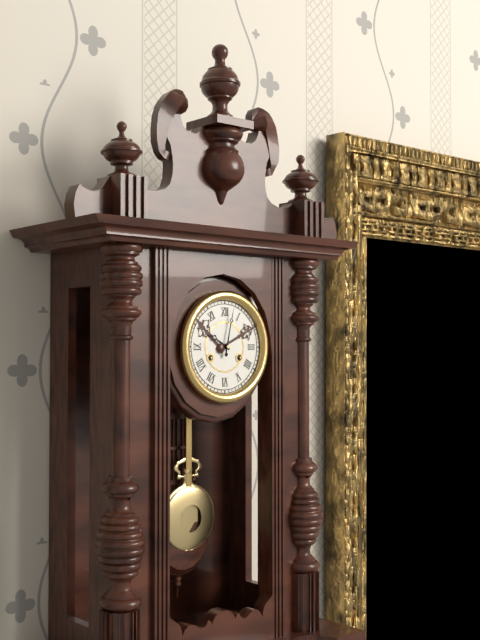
h=10 m=2
